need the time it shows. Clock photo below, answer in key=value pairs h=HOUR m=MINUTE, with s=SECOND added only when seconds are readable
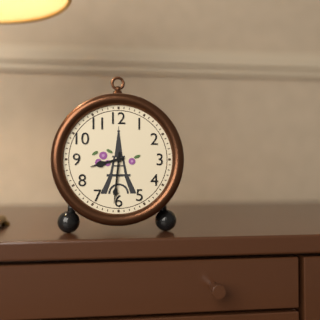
h=8 m=31
